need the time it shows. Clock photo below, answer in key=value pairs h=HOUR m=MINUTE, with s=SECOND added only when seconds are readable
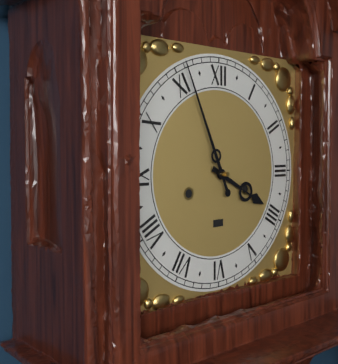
h=3 m=56
